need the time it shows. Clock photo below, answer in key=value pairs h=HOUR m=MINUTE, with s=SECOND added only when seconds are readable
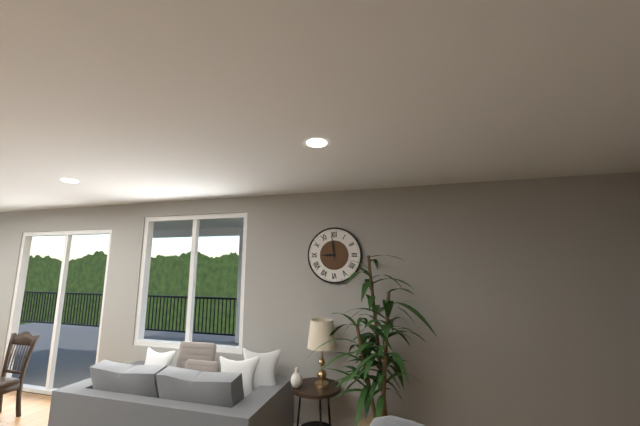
h=8 m=59
